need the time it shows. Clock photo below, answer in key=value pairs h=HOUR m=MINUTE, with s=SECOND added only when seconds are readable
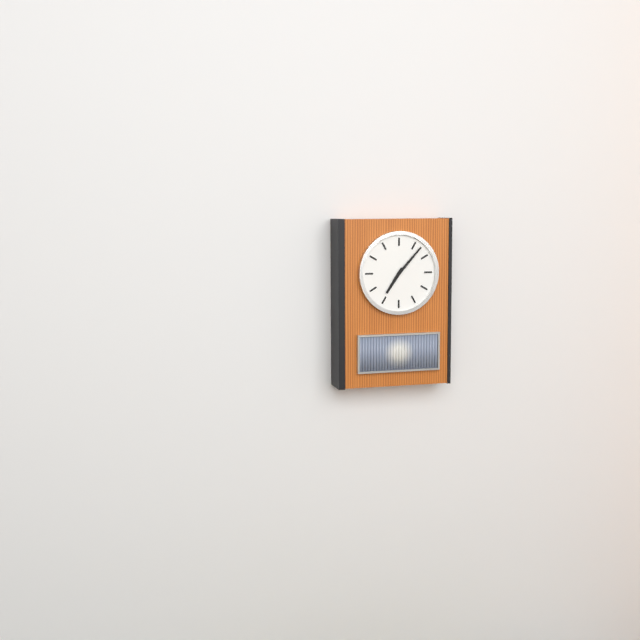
h=7 m=7
